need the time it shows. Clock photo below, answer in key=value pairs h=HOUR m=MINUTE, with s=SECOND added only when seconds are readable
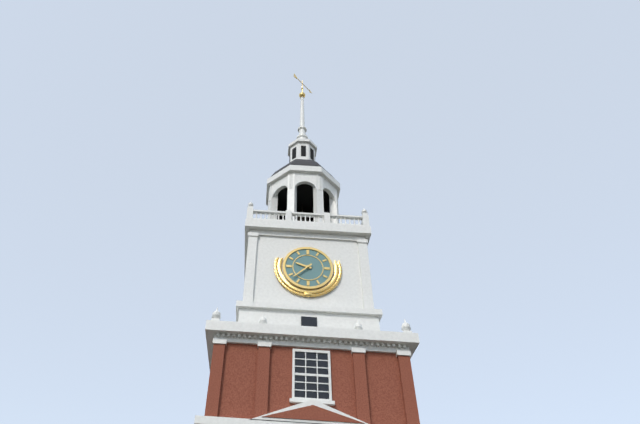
h=9 m=38
